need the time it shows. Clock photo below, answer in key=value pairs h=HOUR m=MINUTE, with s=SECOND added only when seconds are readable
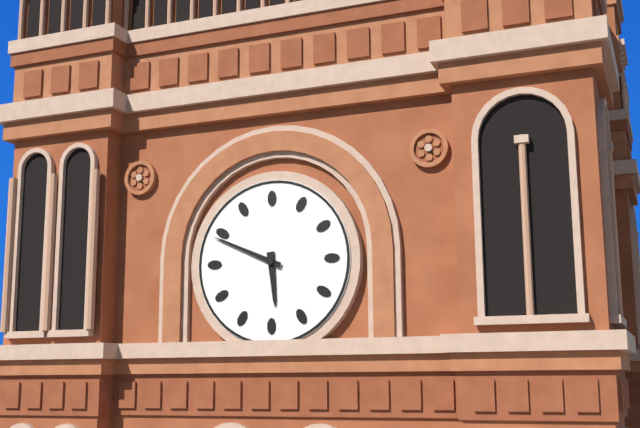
h=5 m=49
